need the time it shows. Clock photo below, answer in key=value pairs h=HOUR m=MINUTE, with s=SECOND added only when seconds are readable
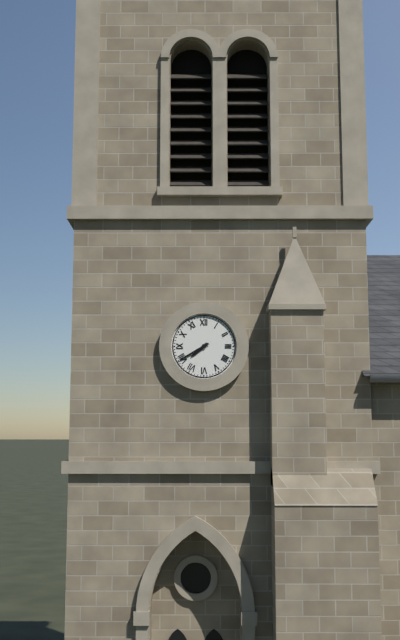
h=7 m=40
